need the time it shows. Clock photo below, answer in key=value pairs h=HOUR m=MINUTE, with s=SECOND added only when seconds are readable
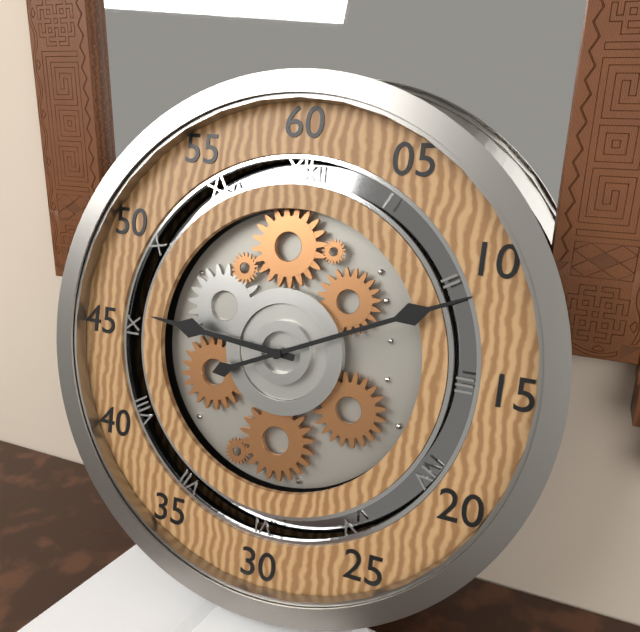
h=9 m=11
